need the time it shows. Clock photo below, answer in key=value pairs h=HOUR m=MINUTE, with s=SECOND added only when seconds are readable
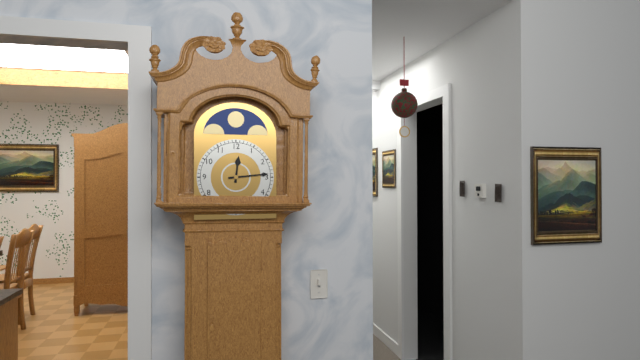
h=12 m=14
